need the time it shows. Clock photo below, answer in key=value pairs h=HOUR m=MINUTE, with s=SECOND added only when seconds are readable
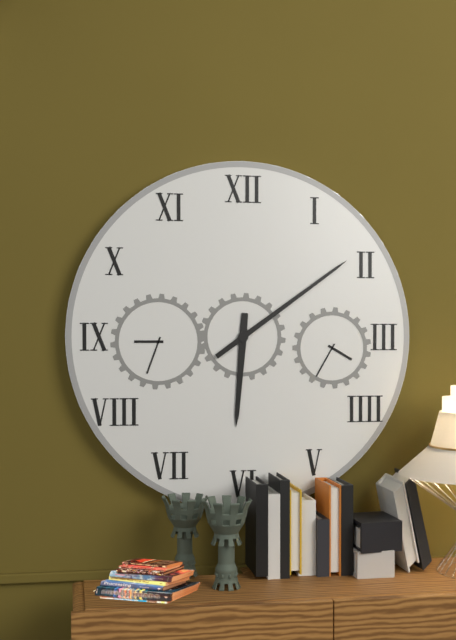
h=6 m=9
